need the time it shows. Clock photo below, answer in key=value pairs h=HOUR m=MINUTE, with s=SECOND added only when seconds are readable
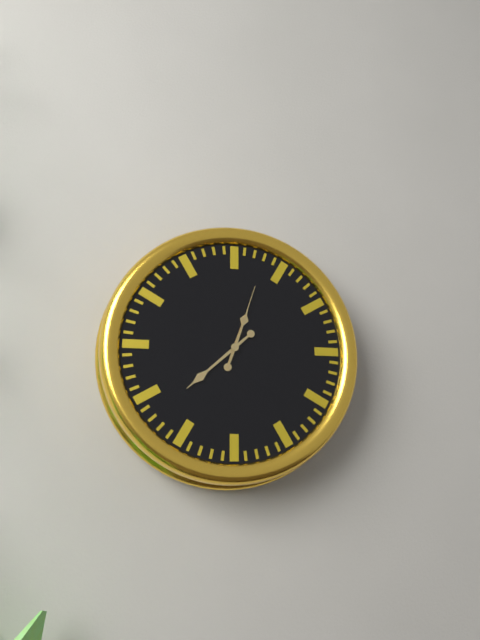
h=12 m=38 s=3
